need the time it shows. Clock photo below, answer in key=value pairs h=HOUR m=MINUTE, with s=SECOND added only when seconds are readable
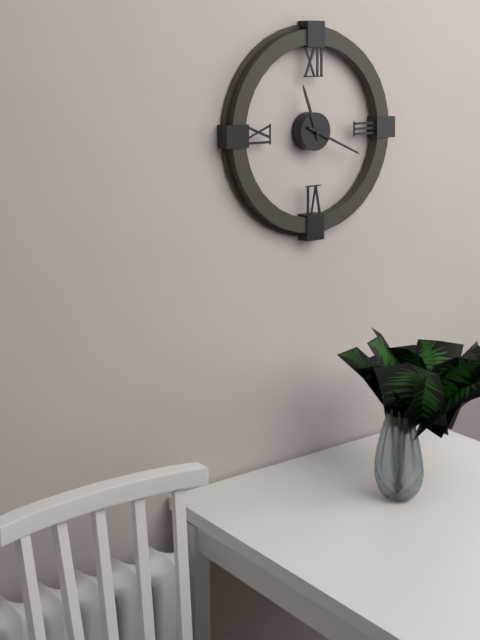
h=11 m=19
